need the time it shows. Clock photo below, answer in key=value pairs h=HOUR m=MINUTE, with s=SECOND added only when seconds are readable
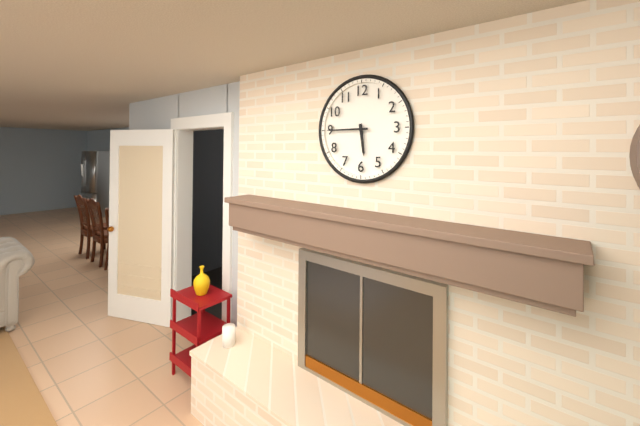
h=5 m=45
